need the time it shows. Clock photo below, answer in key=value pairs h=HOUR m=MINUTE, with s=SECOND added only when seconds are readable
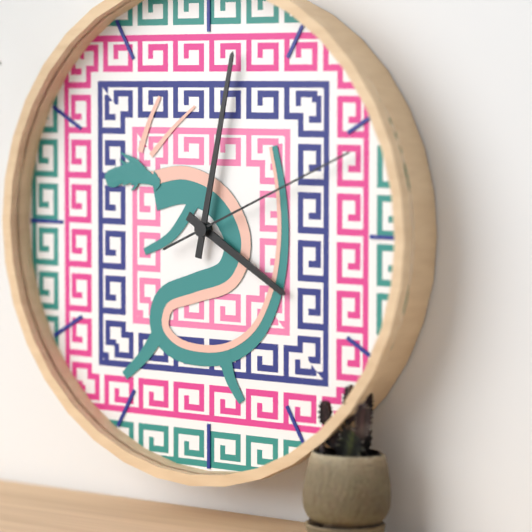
h=4 m=2 s=11
